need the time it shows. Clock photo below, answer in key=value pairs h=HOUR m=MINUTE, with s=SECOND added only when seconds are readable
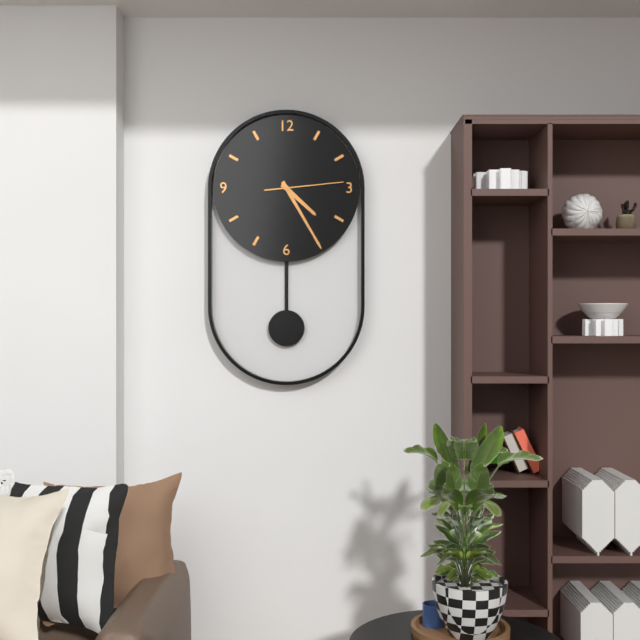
h=4 m=25 s=14
